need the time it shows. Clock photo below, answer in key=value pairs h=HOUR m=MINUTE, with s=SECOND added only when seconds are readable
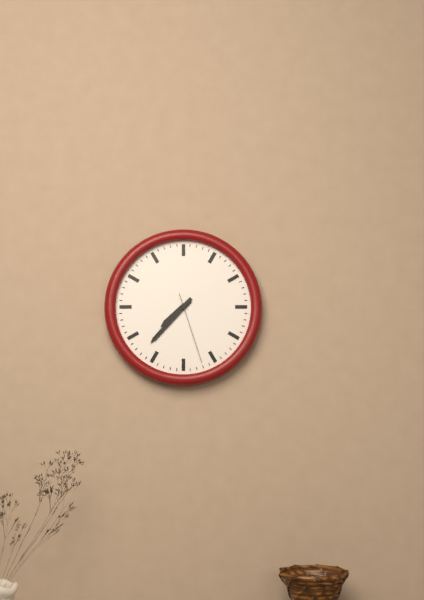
h=7 m=37 s=27
